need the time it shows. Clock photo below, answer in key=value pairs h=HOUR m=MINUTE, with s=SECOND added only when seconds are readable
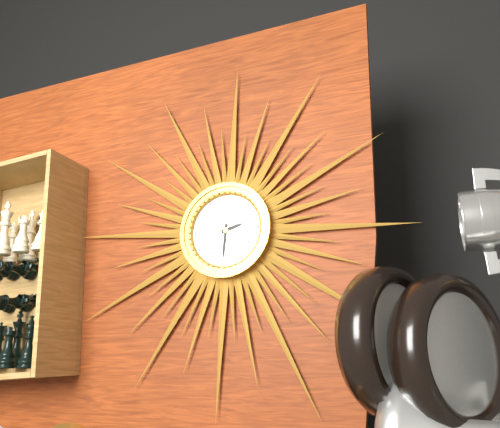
h=2 m=31
